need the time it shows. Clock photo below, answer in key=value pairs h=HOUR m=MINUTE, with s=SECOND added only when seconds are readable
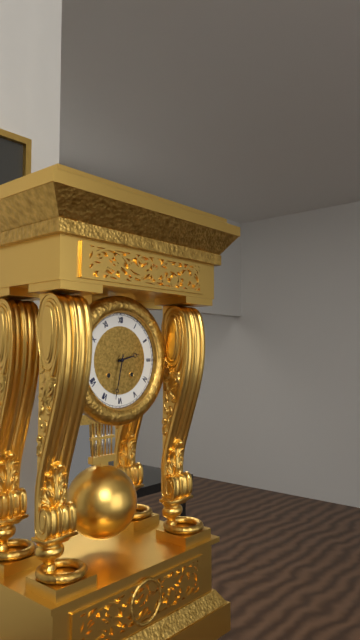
h=2 m=32
